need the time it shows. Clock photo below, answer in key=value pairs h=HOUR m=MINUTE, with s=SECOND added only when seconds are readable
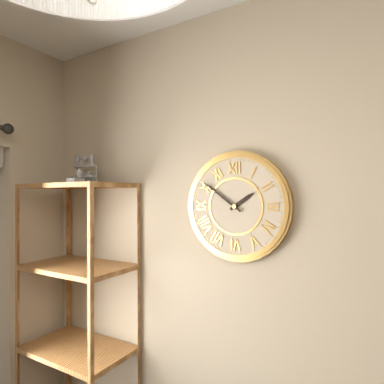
h=1 m=51
